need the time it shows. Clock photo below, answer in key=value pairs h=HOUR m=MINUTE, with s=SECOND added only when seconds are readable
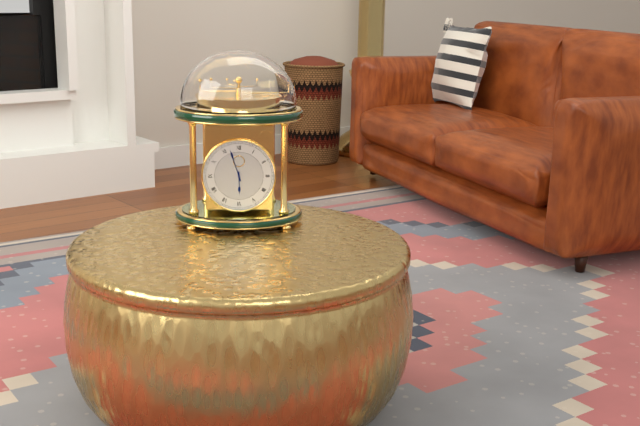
h=5 m=57
